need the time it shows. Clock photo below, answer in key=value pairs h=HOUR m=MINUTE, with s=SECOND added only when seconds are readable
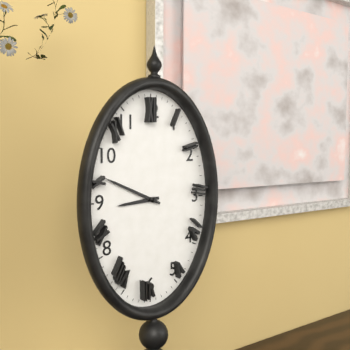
h=8 m=49
